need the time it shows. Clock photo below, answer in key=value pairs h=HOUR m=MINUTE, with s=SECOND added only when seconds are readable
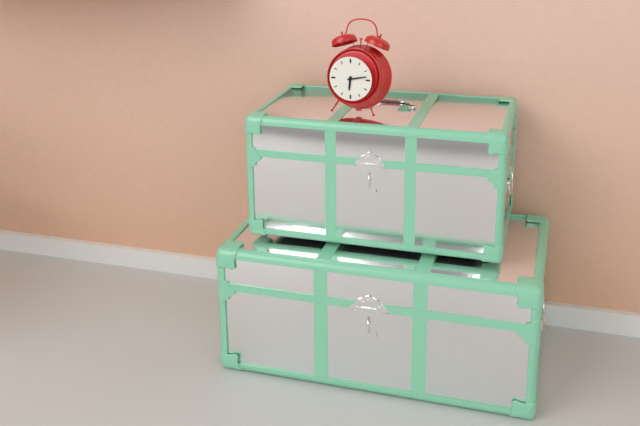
h=6 m=13
